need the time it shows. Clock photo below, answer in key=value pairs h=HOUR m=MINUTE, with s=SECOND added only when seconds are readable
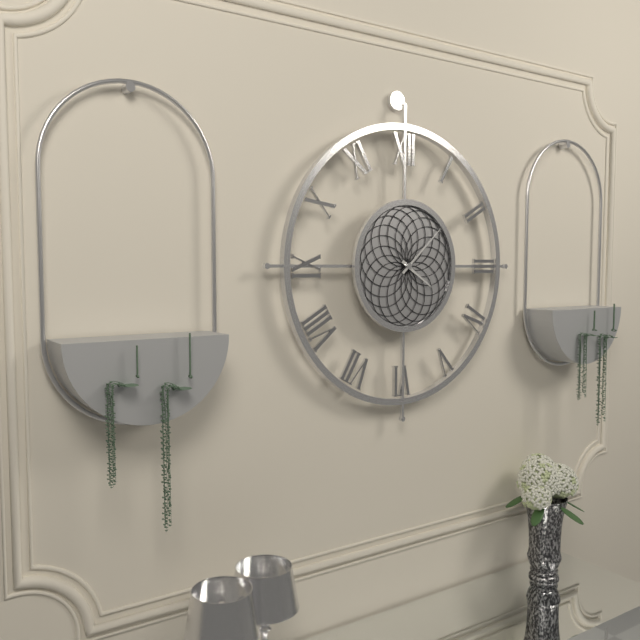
h=4 m=8
